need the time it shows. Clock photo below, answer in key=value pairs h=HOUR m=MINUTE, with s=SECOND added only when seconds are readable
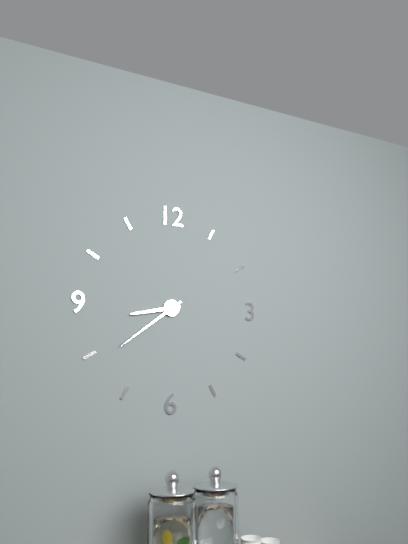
h=8 m=39
